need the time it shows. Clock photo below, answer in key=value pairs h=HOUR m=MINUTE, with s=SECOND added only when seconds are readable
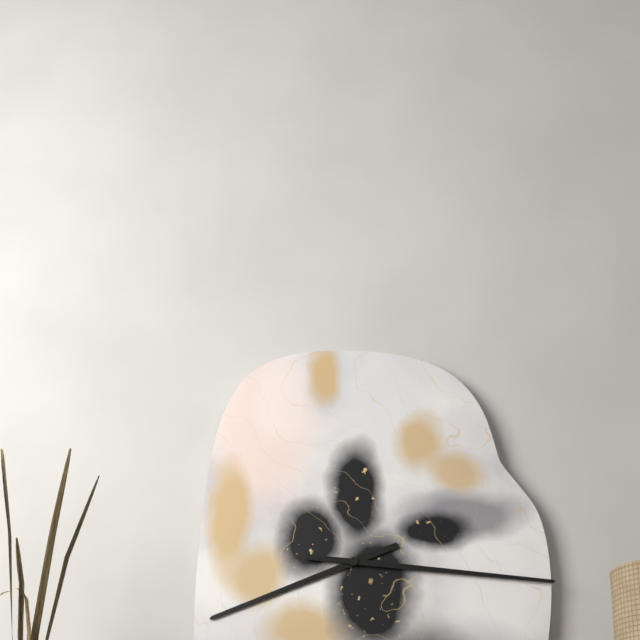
h=8 m=16
